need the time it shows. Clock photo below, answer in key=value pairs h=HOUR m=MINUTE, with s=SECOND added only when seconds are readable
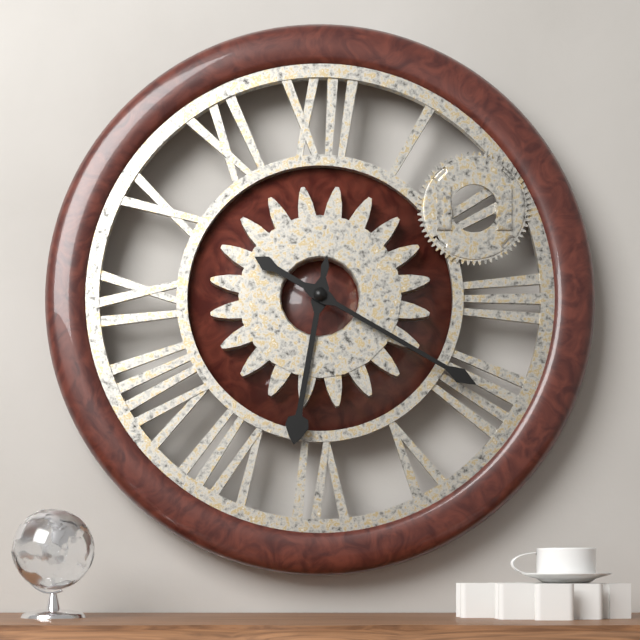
h=6 m=20
